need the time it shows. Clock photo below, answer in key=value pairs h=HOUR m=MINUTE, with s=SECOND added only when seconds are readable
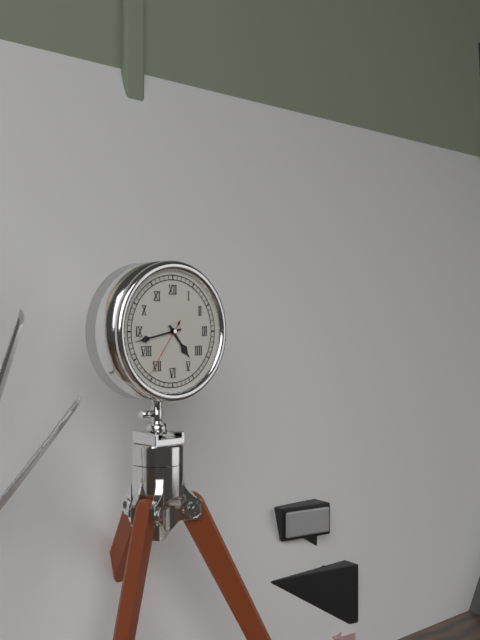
h=4 m=43 s=36
